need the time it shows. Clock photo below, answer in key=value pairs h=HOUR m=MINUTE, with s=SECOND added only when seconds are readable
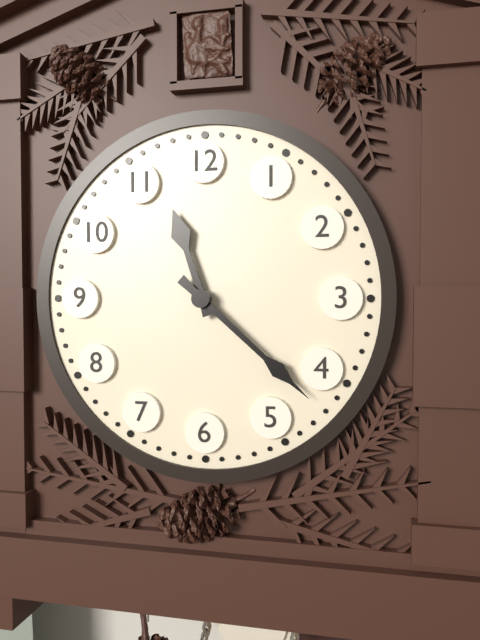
h=11 m=22
